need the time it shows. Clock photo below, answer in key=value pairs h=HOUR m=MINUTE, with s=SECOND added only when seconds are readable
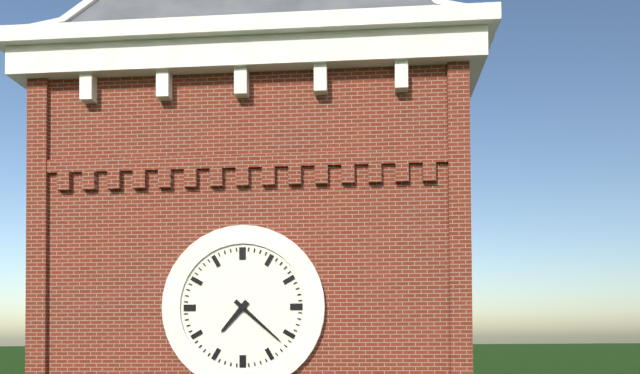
h=7 m=22
